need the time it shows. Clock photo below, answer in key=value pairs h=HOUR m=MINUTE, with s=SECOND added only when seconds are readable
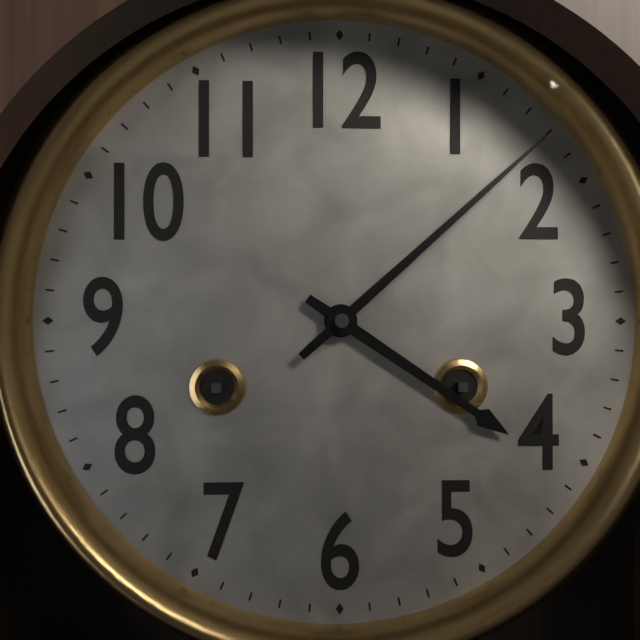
h=4 m=8
